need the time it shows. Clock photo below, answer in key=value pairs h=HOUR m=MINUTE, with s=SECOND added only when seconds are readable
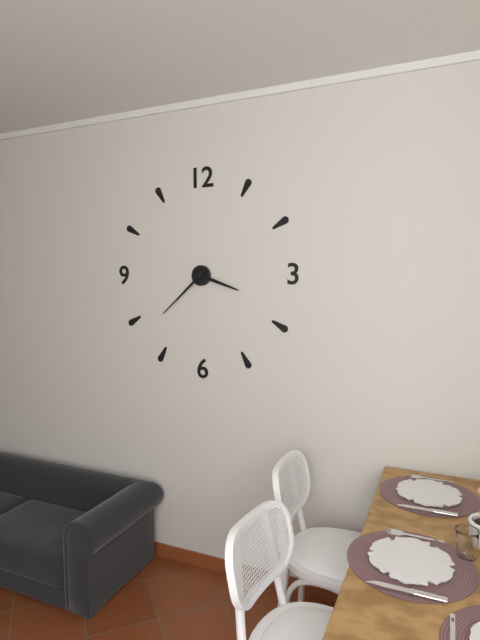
h=3 m=38
